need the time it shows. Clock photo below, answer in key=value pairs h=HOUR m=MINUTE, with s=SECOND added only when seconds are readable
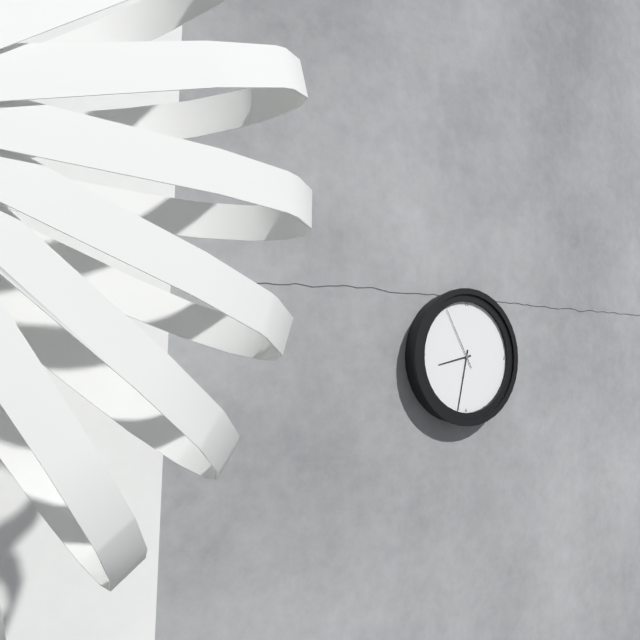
h=8 m=32 s=55
